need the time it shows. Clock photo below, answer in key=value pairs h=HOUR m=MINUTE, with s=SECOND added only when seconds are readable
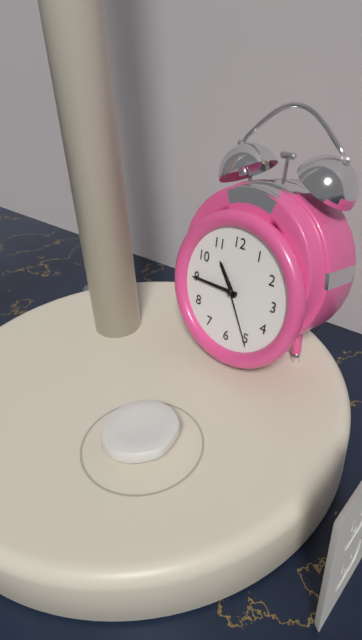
h=10 m=45 s=25
